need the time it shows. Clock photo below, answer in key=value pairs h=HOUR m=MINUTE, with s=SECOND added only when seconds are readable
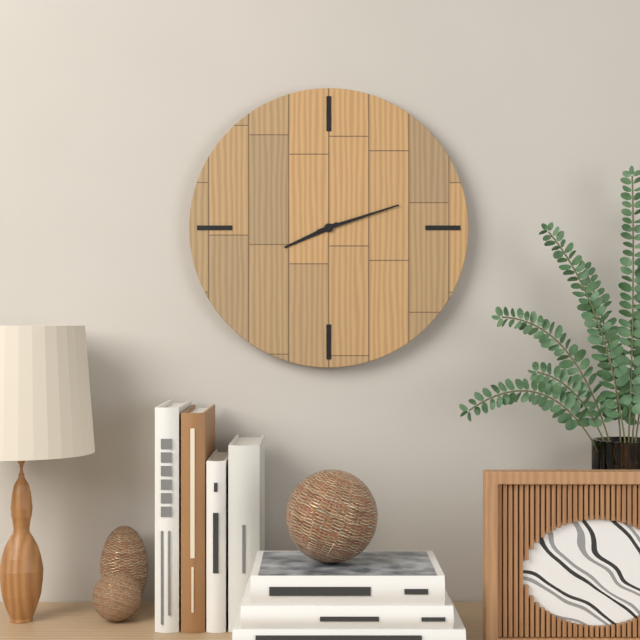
h=8 m=12
